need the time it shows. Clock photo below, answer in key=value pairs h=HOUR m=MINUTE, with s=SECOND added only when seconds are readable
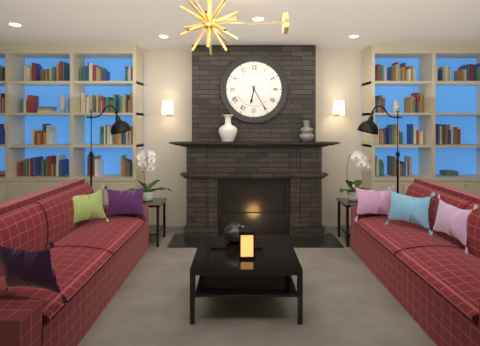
h=6 m=25
